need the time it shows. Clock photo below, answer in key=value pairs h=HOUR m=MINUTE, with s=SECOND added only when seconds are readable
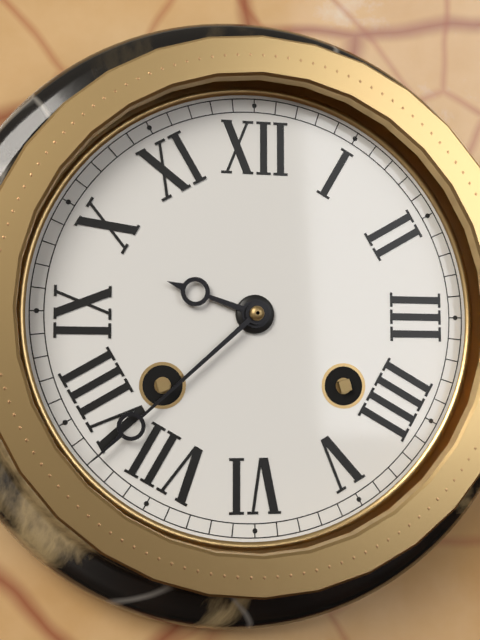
h=9 m=38
